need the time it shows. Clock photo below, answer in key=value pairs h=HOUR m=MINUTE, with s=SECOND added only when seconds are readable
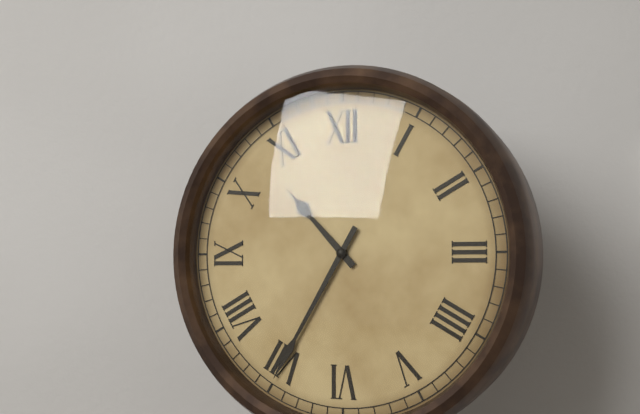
h=10 m=35
